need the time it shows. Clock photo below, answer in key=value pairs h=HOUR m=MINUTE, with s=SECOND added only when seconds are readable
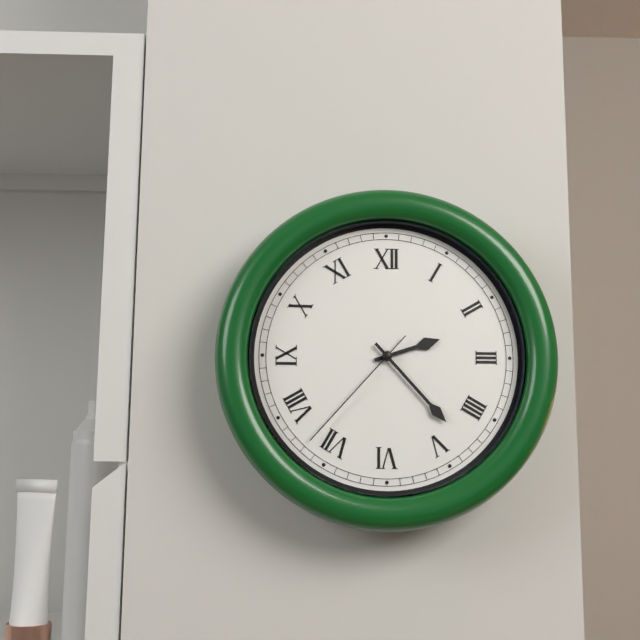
h=2 m=23 s=37
